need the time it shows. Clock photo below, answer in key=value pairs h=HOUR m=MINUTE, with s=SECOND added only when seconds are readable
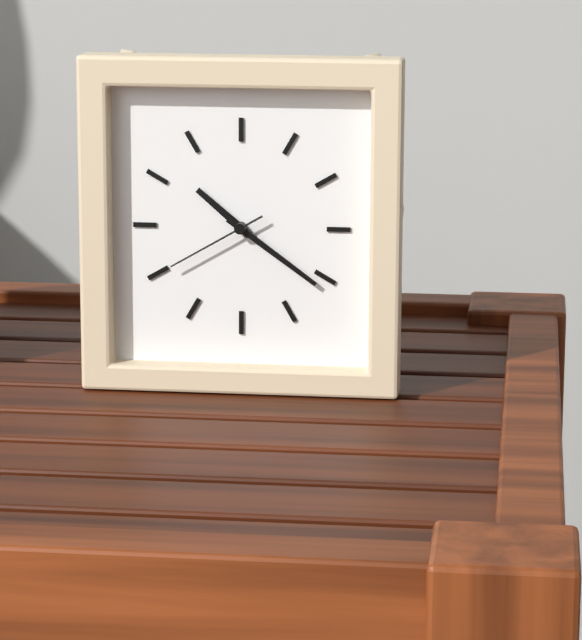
h=10 m=21 s=40
